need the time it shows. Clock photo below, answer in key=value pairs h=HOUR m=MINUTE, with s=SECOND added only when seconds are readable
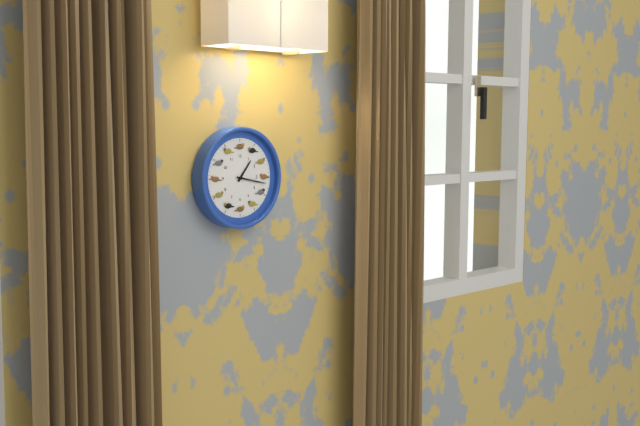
h=1 m=17
